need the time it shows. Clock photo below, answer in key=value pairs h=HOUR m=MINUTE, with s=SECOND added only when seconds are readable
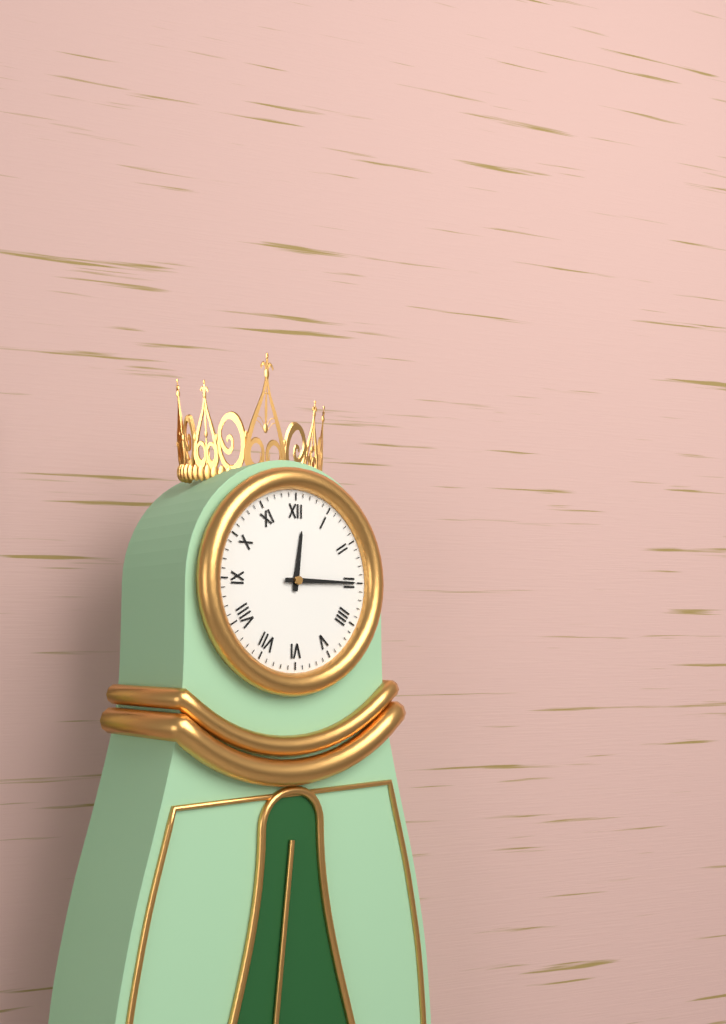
h=12 m=15
